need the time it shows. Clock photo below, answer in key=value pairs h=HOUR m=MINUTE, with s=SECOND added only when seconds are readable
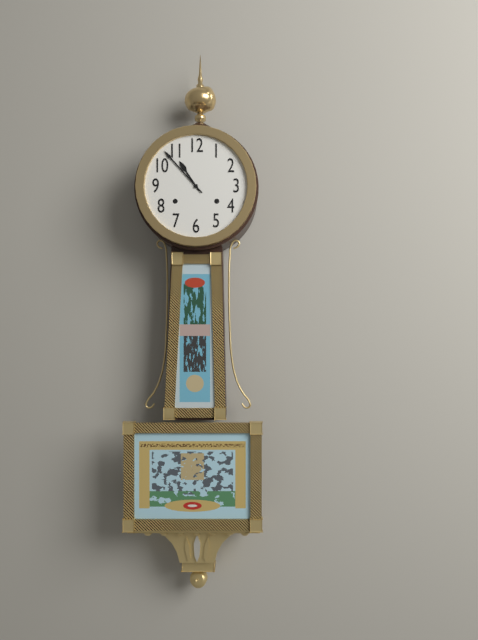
h=10 m=53
